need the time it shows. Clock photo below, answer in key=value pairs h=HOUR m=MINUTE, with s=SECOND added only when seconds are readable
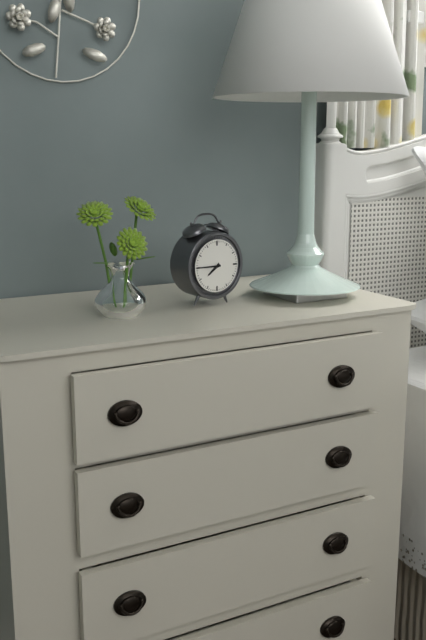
h=7 m=45
